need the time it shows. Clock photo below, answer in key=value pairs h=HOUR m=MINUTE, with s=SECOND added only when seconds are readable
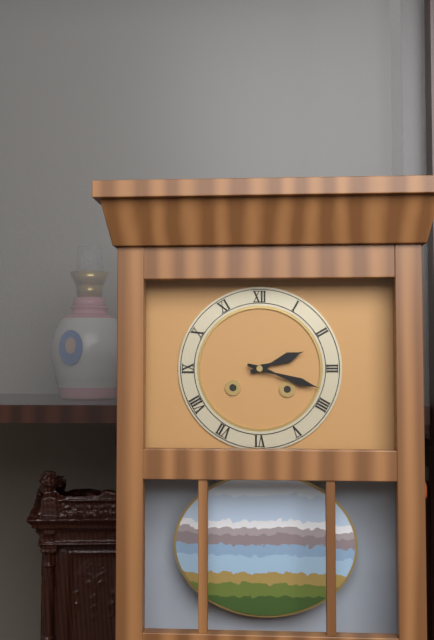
h=2 m=18
